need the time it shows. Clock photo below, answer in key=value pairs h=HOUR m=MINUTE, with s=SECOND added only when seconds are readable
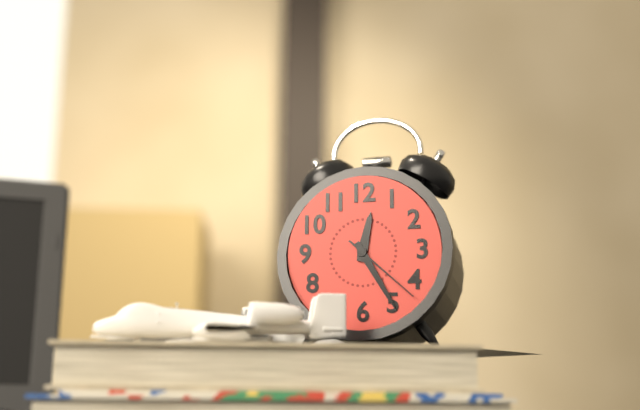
h=12 m=25 s=22
